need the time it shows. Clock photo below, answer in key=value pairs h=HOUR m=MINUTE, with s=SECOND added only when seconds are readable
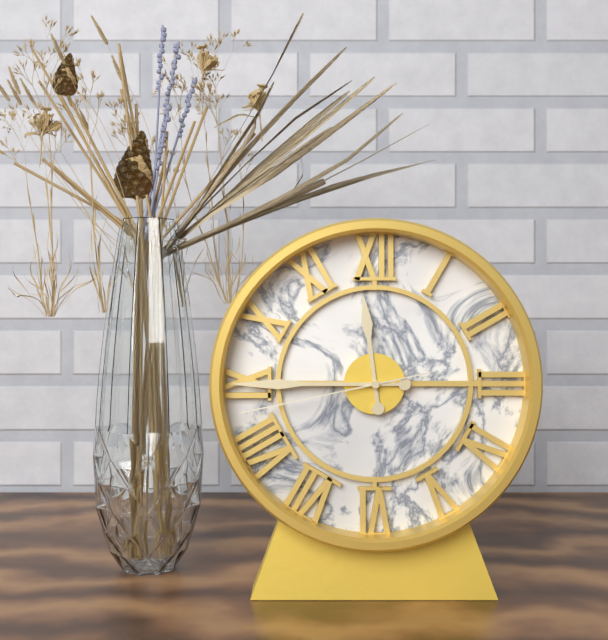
h=11 m=45 s=43
